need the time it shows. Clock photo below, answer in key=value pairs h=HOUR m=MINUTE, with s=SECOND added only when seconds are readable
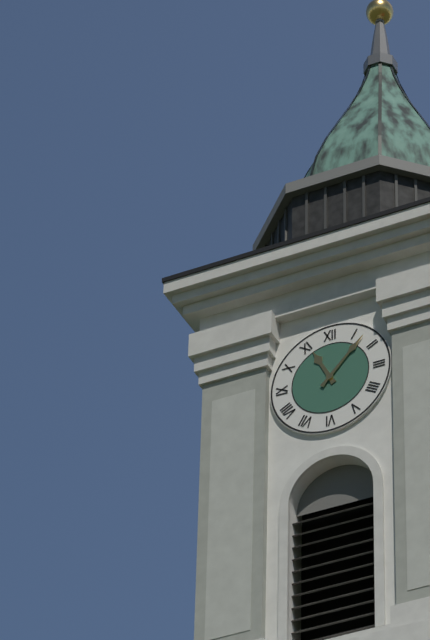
h=11 m=7
